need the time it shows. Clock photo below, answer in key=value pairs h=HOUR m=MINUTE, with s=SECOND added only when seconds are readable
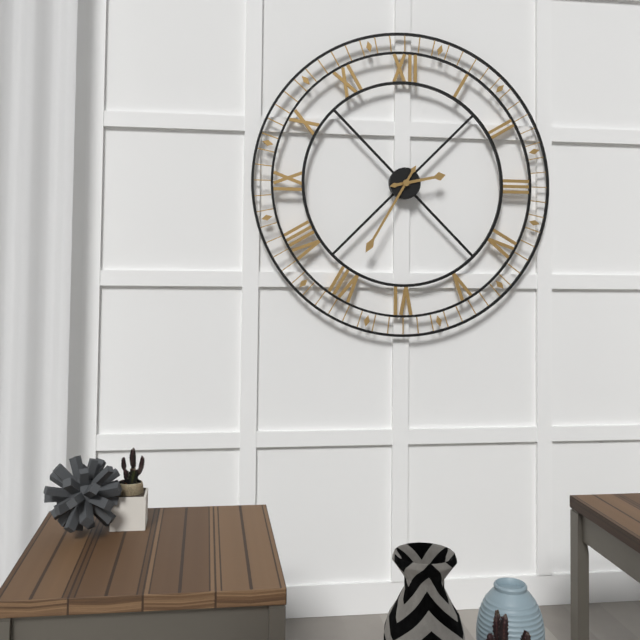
h=2 m=35
